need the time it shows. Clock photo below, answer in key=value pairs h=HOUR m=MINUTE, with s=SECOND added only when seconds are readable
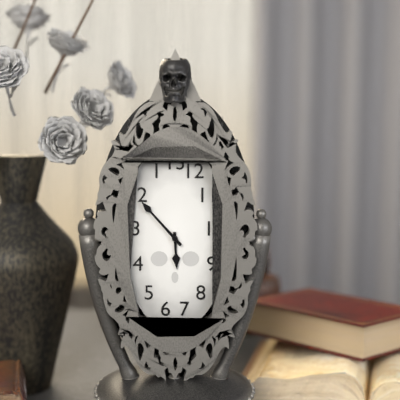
h=5 m=53
